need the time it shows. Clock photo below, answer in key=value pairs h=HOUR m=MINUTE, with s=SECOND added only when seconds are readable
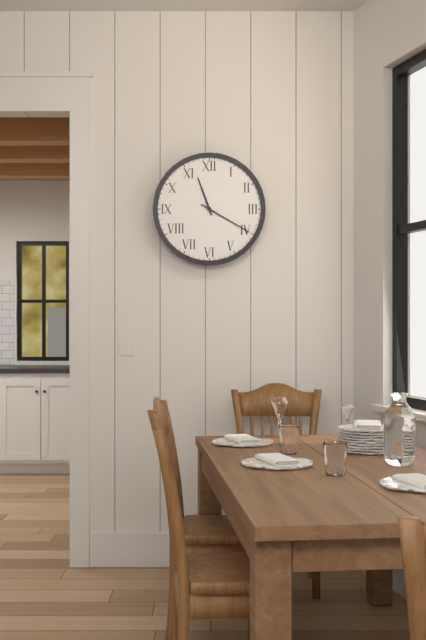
h=11 m=20
